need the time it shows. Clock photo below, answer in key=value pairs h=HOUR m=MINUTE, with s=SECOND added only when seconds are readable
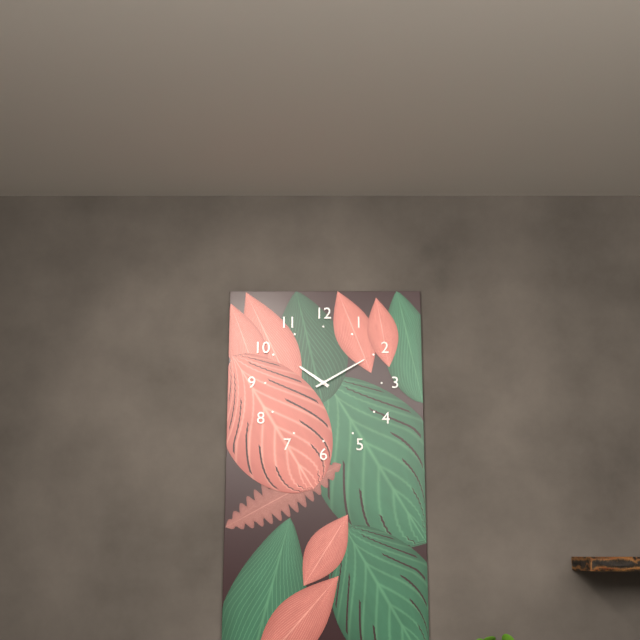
h=10 m=10
